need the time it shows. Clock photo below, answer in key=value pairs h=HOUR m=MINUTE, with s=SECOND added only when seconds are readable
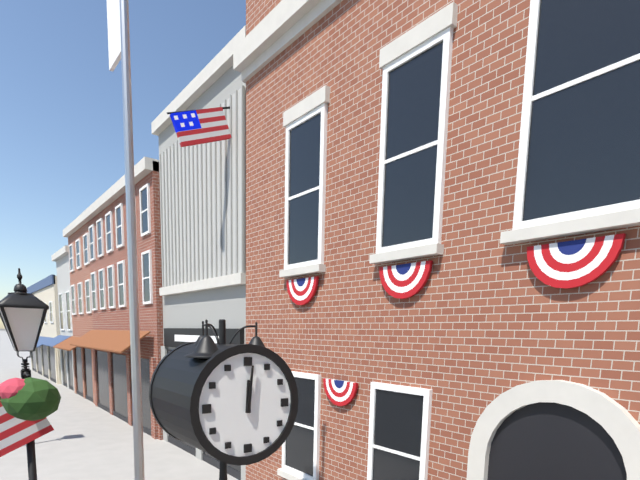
h=12 m=1
